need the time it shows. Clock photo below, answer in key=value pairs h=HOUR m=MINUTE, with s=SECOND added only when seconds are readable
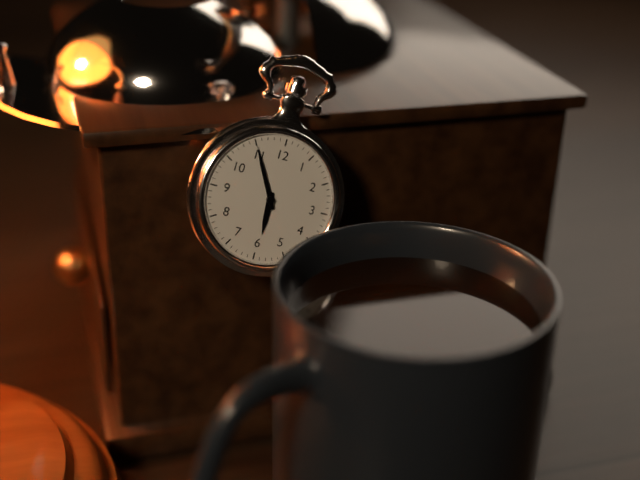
h=5 m=55
